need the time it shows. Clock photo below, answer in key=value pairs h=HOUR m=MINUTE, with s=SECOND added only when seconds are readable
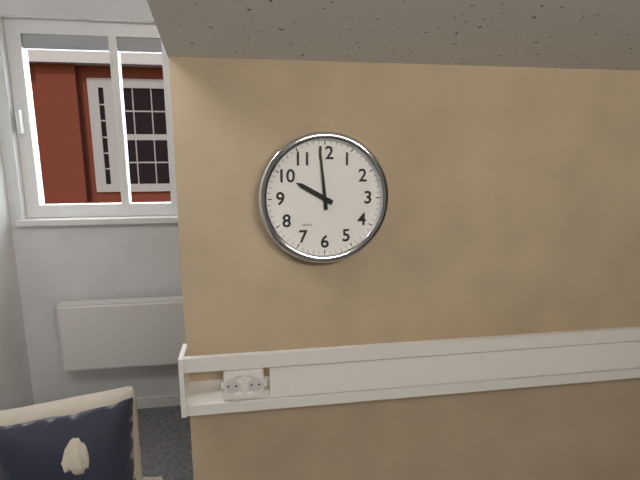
h=9 m=59
